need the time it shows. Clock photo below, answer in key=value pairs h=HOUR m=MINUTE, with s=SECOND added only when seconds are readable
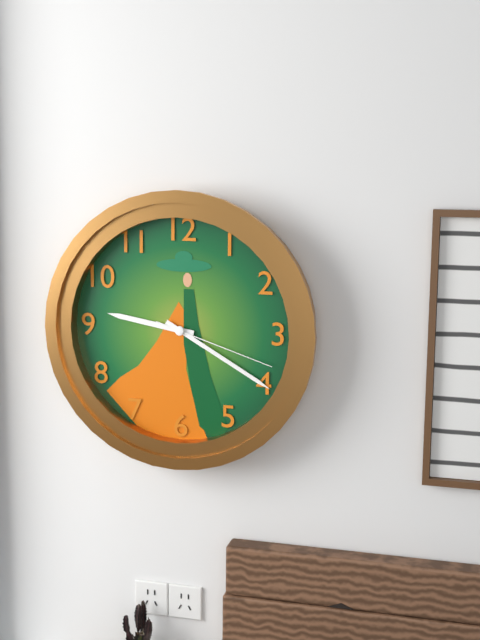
h=9 m=20 s=18
